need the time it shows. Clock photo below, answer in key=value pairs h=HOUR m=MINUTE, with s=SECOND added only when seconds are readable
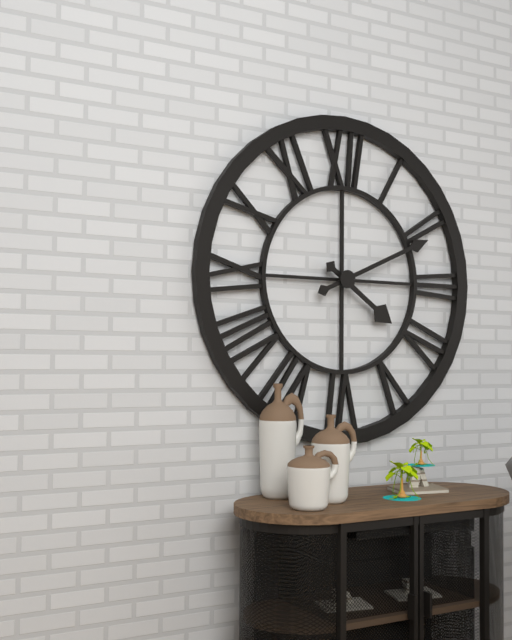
h=4 m=11
